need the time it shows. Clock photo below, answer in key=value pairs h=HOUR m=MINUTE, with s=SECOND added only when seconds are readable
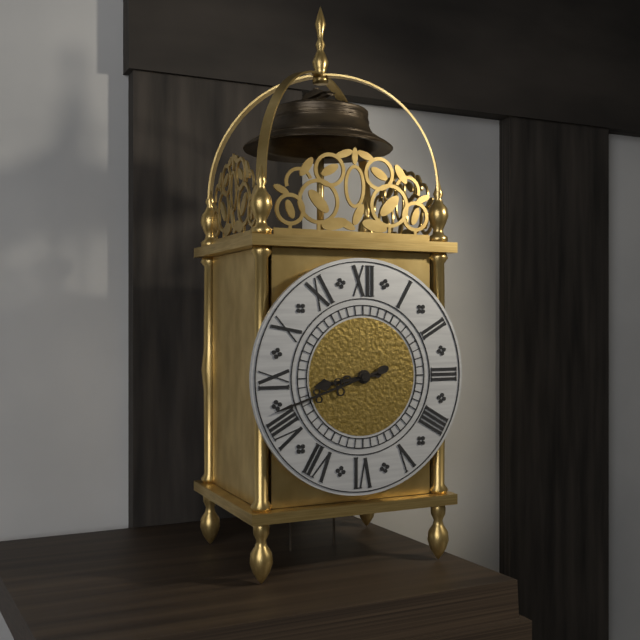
h=8 m=42
